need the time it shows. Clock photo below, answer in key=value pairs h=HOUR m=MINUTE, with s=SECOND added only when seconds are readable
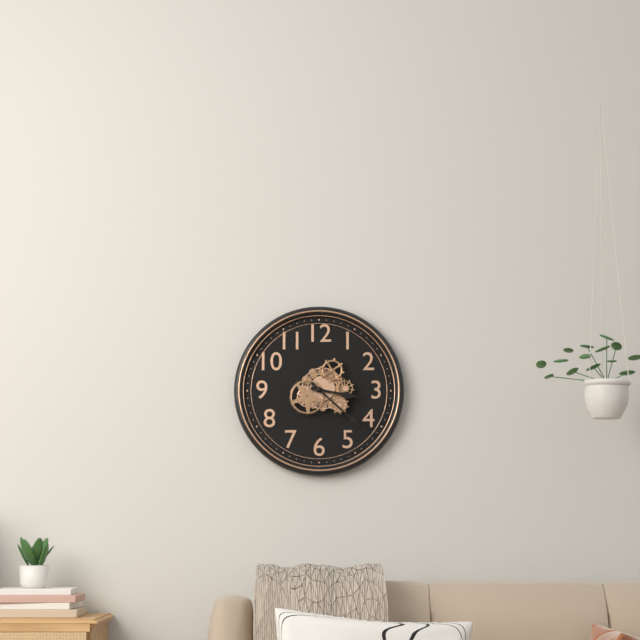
h=3 m=22
